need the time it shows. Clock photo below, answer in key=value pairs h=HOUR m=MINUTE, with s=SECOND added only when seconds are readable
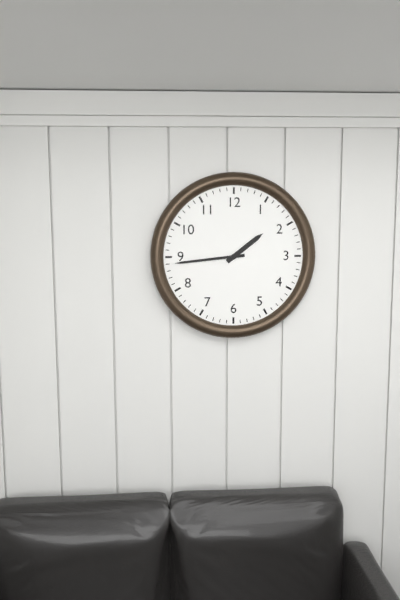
h=1 m=44
